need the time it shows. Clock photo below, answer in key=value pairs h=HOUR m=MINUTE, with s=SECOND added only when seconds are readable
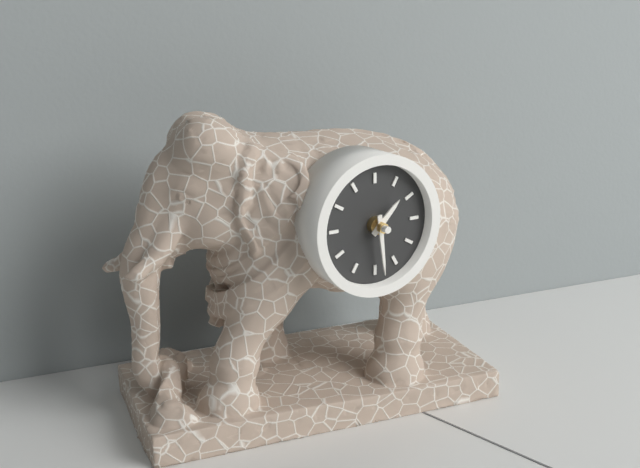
h=1 m=29
